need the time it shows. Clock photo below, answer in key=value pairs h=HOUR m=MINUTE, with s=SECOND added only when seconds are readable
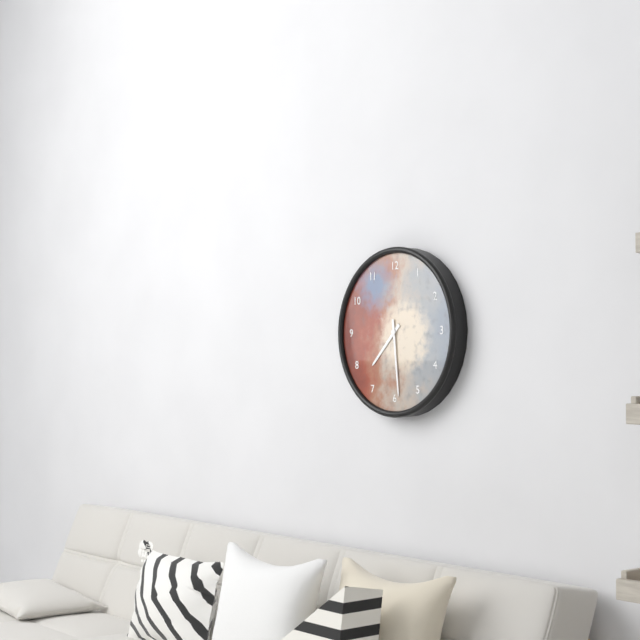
h=7 m=29
